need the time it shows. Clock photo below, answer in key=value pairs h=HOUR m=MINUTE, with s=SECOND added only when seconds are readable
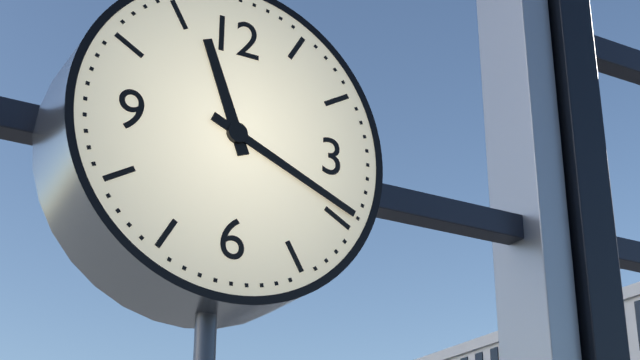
h=11 m=19
